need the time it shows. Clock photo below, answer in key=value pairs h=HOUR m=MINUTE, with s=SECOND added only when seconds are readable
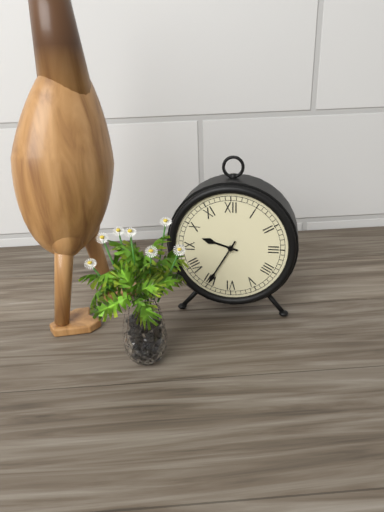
h=9 m=35
